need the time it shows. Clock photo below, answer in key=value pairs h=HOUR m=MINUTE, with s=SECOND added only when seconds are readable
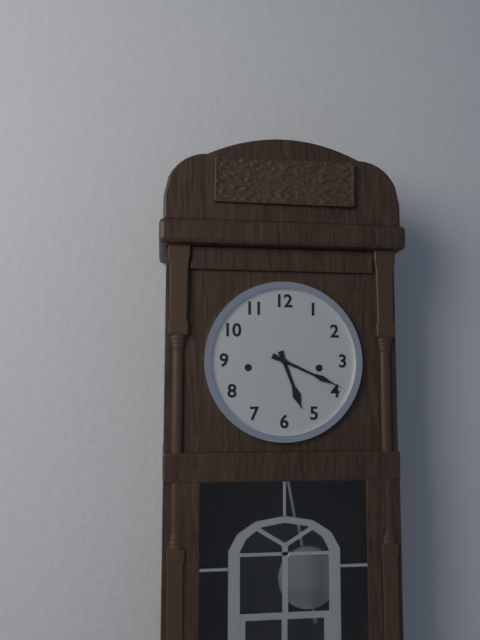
h=5 m=19
